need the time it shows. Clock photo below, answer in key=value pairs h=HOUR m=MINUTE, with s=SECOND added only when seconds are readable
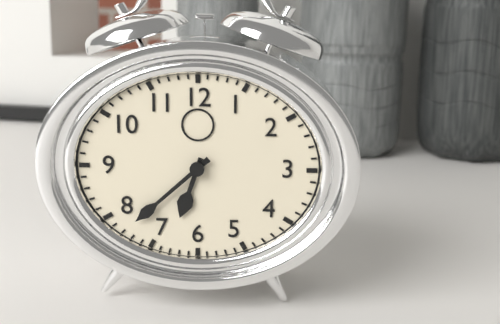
h=6 m=38
